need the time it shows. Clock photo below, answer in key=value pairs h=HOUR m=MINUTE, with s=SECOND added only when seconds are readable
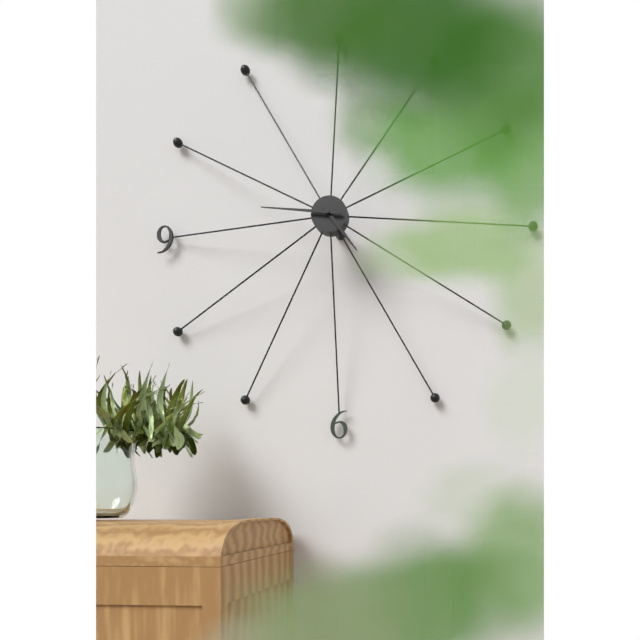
h=4 m=46
